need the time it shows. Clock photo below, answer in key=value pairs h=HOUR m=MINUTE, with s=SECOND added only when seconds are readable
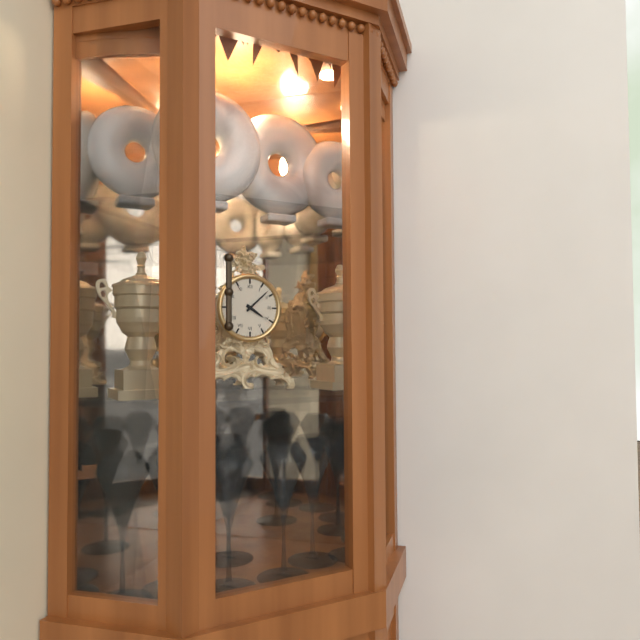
h=4 m=8
